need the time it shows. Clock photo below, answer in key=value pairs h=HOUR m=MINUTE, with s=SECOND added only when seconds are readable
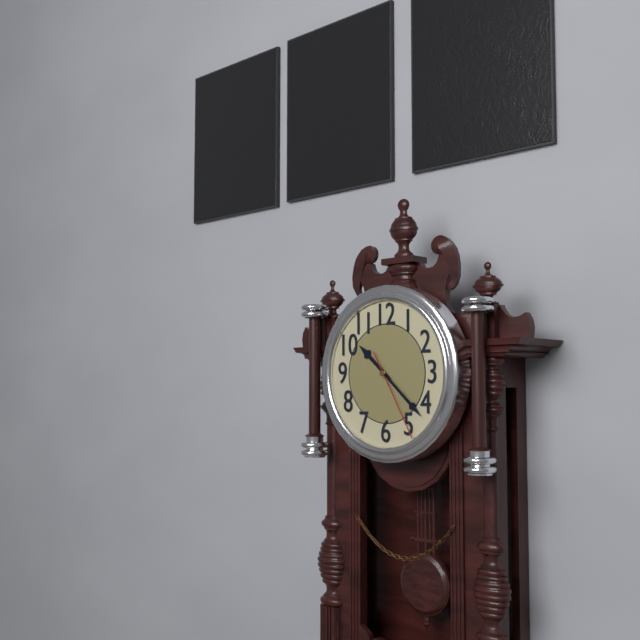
h=10 m=22 s=25
